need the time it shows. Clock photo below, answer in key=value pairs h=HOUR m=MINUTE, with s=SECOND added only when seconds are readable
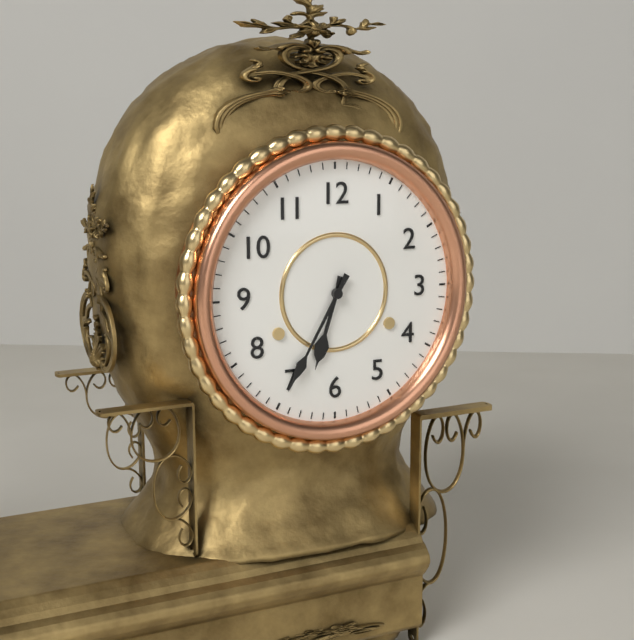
h=6 m=35
